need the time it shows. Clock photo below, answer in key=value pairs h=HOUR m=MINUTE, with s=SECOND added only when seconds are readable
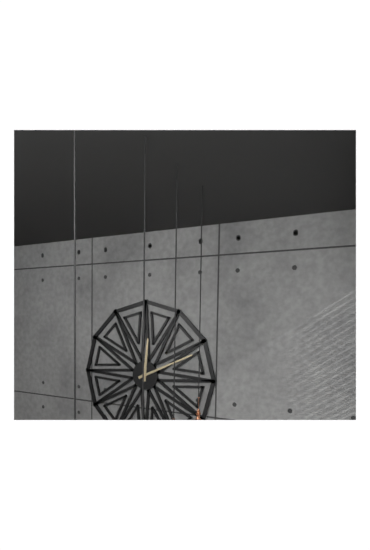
h=12 m=11
